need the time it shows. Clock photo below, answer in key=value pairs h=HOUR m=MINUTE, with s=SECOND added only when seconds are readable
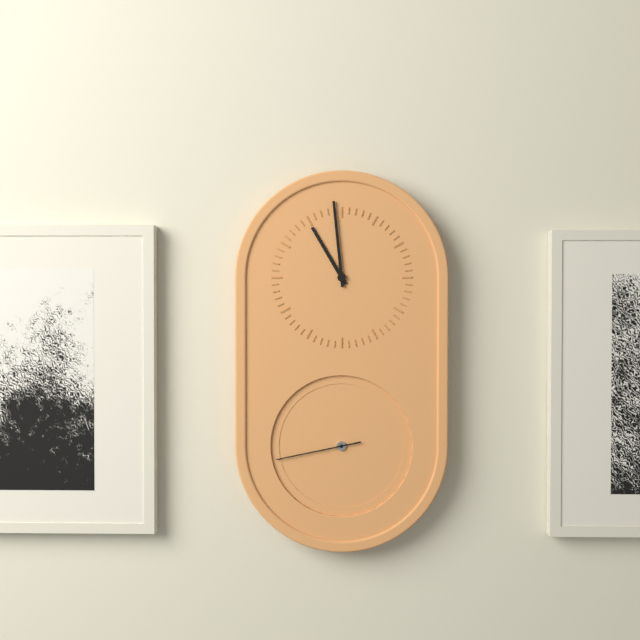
h=10 m=59 s=43
